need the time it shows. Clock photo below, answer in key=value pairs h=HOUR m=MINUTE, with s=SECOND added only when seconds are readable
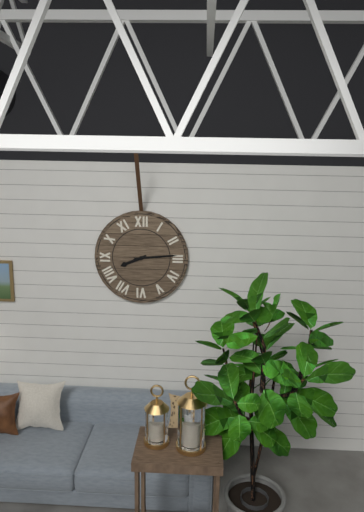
h=8 m=14
